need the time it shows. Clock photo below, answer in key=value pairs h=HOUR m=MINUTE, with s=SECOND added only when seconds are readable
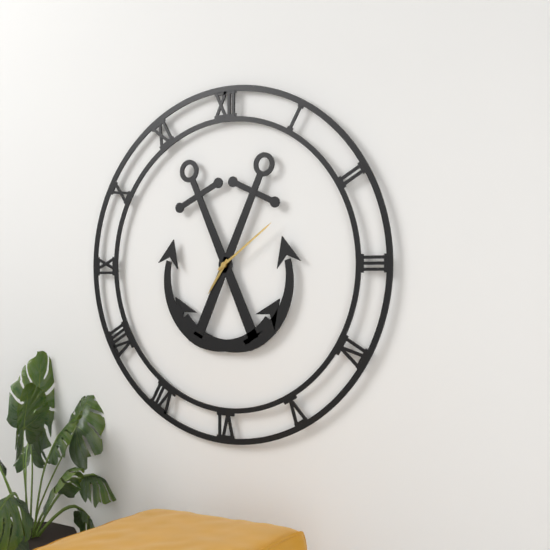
h=7 m=9
